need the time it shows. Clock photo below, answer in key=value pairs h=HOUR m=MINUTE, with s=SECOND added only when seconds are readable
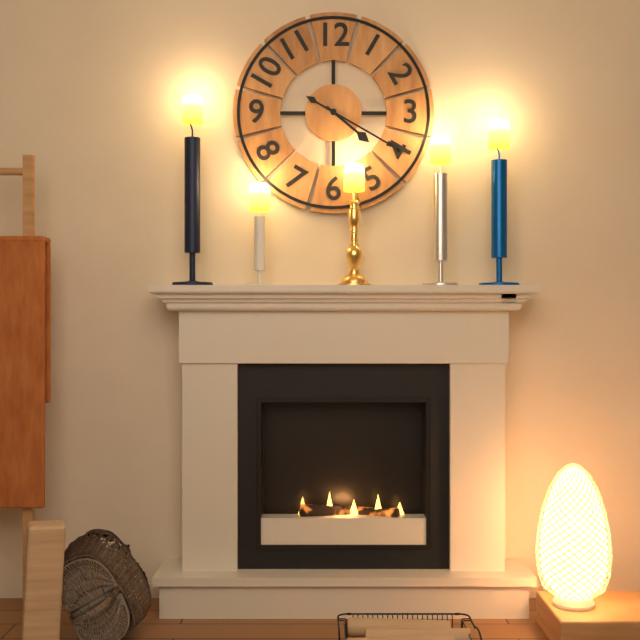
h=4 m=20
